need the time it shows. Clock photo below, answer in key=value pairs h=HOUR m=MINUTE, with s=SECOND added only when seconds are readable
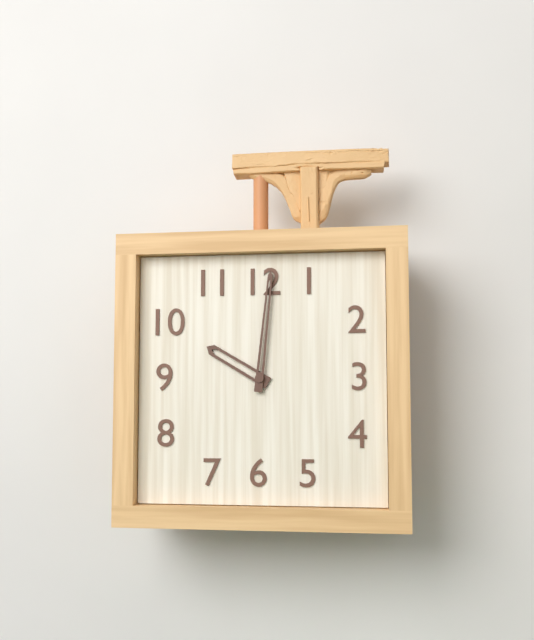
h=10 m=1
